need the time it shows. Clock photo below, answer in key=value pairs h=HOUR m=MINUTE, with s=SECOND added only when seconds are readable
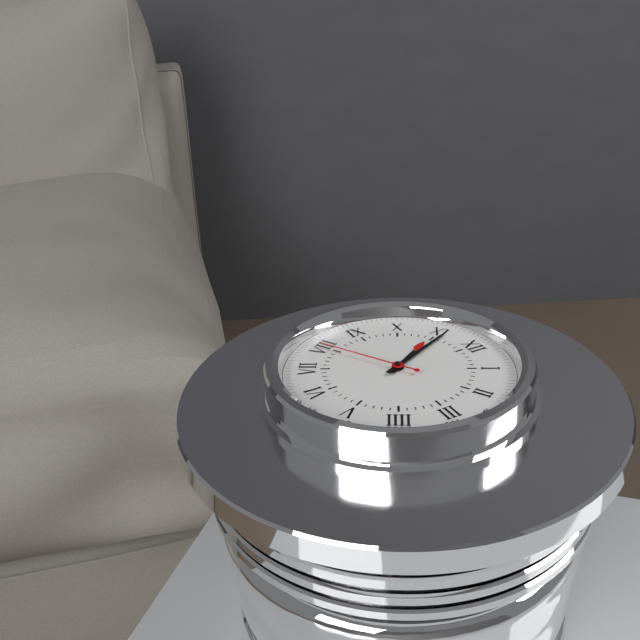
h=10 m=56 s=40
